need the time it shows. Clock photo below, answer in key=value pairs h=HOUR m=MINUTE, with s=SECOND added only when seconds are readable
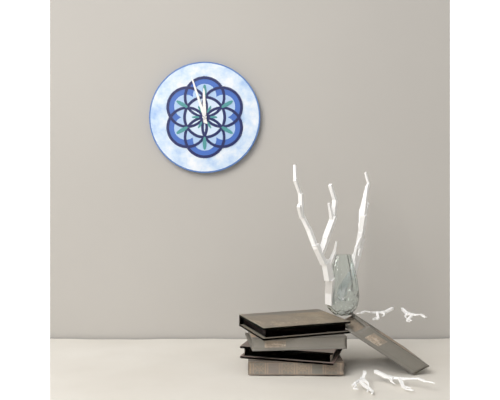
h=11 m=57
